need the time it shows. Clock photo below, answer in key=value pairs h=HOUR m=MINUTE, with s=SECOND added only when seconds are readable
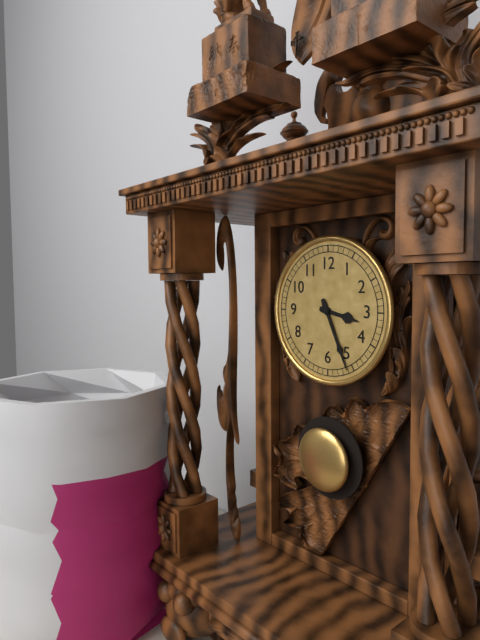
h=3 m=26
